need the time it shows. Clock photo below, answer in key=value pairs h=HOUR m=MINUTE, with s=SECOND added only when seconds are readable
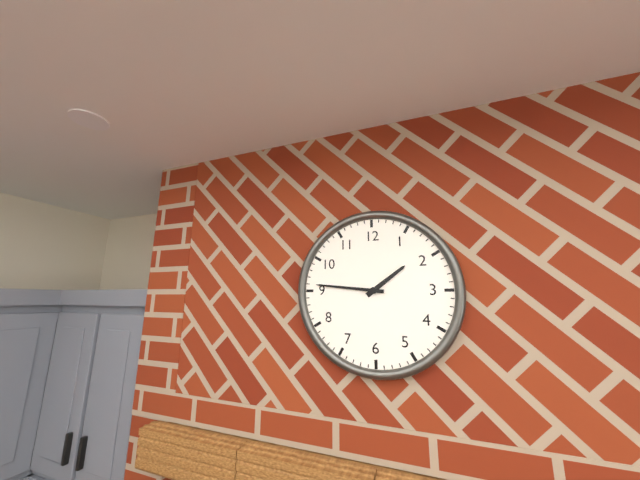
h=1 m=46
